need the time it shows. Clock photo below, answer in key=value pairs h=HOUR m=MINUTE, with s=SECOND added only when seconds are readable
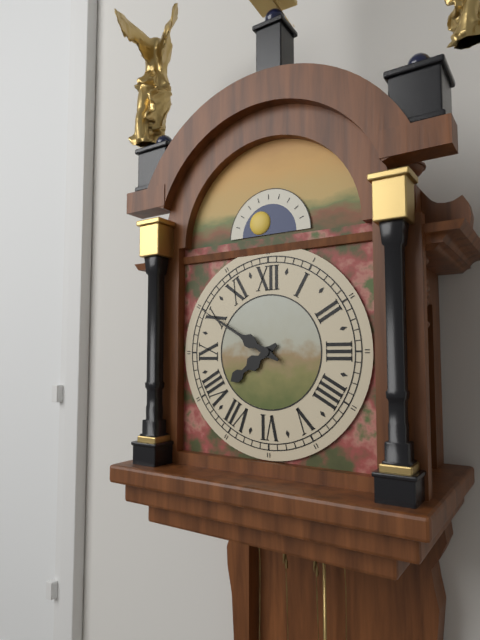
h=7 m=50
